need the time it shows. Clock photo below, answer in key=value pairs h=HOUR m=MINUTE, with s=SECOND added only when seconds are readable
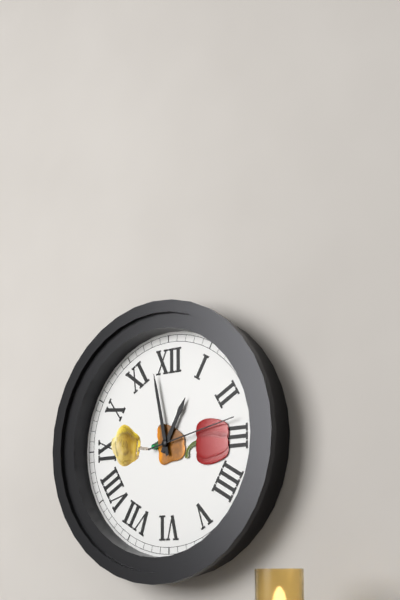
h=12 m=58 s=13
